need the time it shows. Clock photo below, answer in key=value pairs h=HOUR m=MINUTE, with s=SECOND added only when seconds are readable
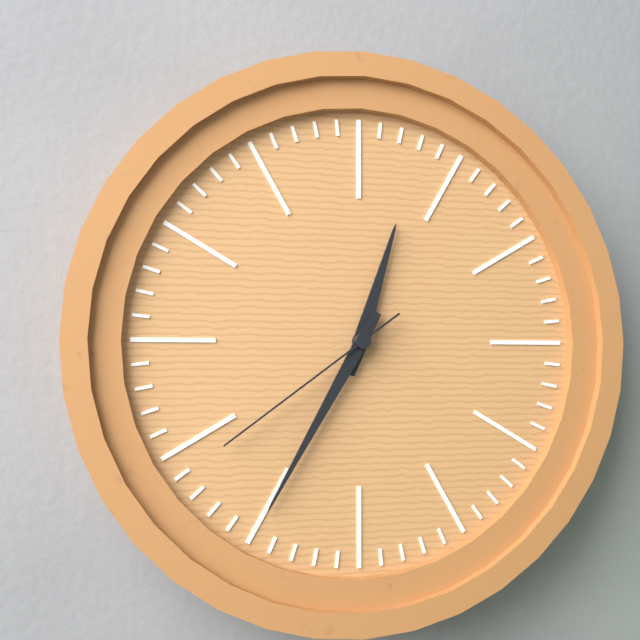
h=12 m=35 s=39
